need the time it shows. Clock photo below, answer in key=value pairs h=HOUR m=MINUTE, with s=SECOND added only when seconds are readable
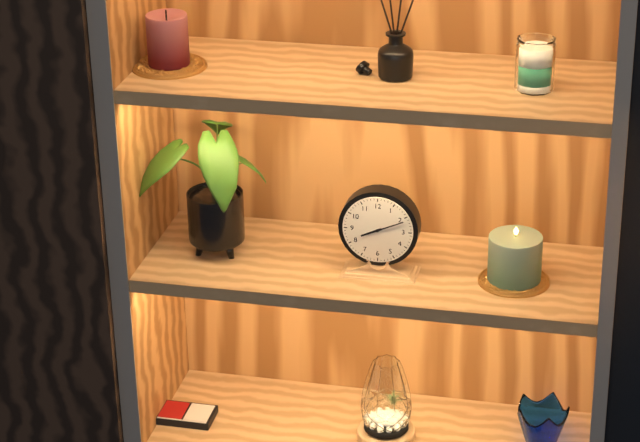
h=8 m=11
